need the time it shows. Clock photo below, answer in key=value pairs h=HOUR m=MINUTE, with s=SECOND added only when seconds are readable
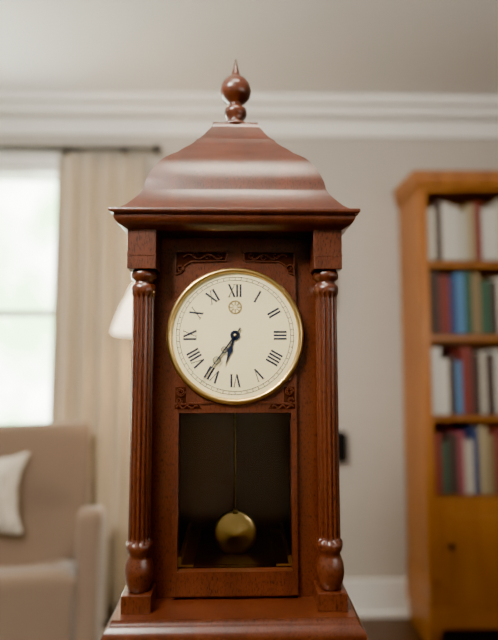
h=6 m=36
